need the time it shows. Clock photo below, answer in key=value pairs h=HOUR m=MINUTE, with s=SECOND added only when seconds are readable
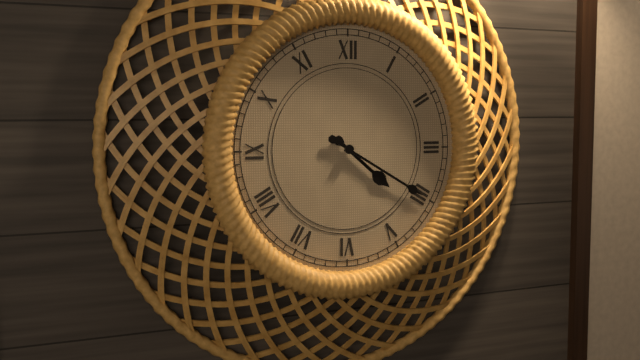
h=4 m=20
